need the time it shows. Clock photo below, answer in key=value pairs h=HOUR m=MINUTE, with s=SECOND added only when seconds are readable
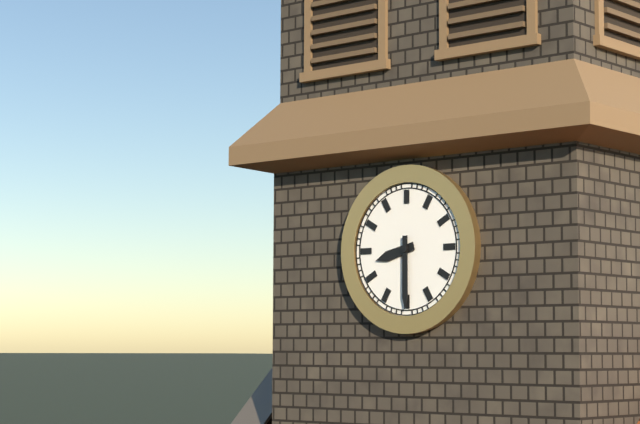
h=8 m=30
